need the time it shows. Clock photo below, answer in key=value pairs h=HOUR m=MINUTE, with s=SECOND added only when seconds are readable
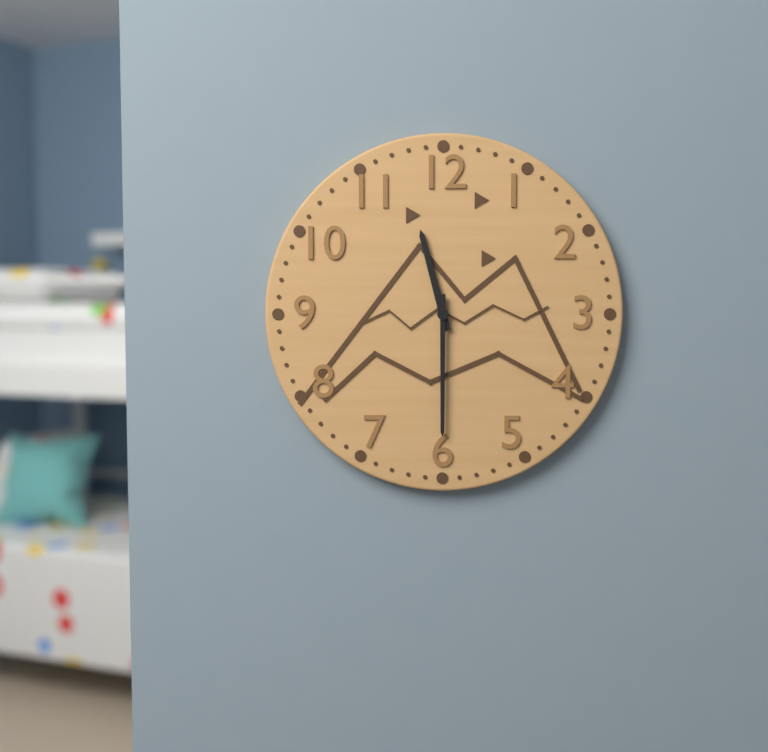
h=11 m=30
